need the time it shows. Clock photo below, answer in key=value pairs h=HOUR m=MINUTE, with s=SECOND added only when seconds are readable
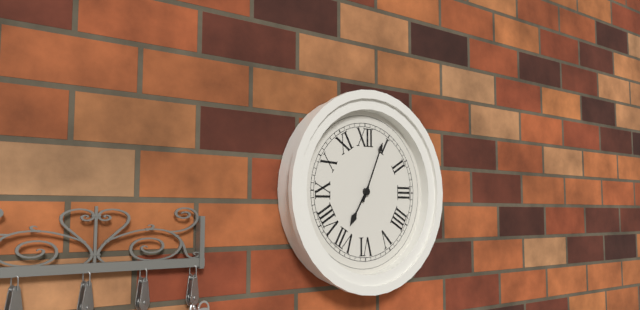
h=7 m=4
